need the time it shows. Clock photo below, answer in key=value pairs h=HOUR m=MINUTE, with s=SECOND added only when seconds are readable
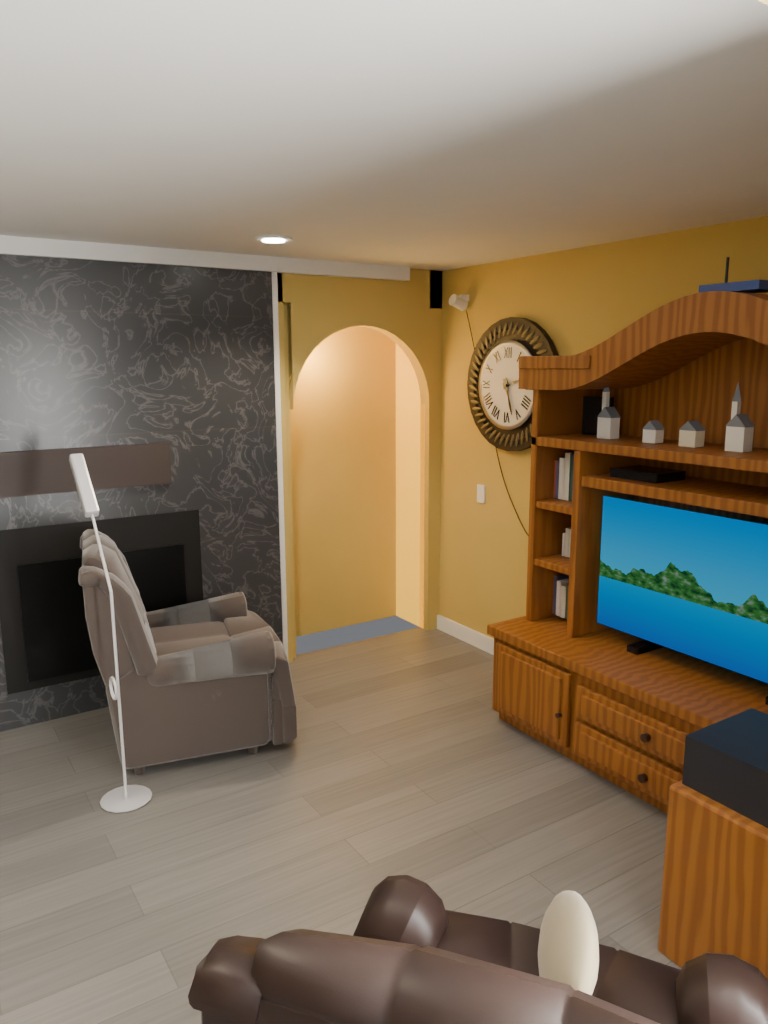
h=2 m=27
